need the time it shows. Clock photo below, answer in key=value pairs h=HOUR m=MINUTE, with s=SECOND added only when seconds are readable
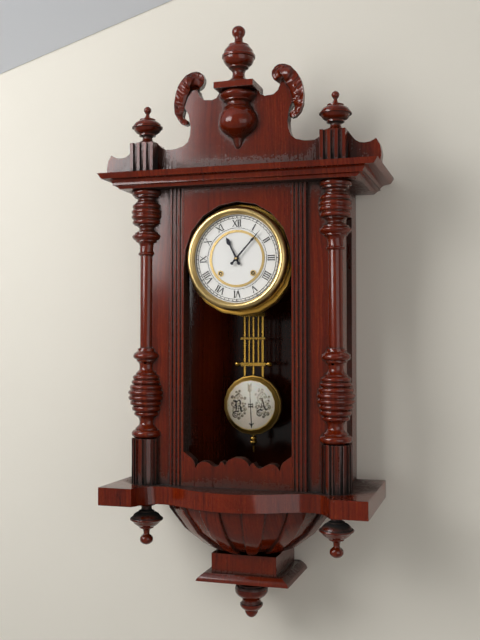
h=11 m=7
